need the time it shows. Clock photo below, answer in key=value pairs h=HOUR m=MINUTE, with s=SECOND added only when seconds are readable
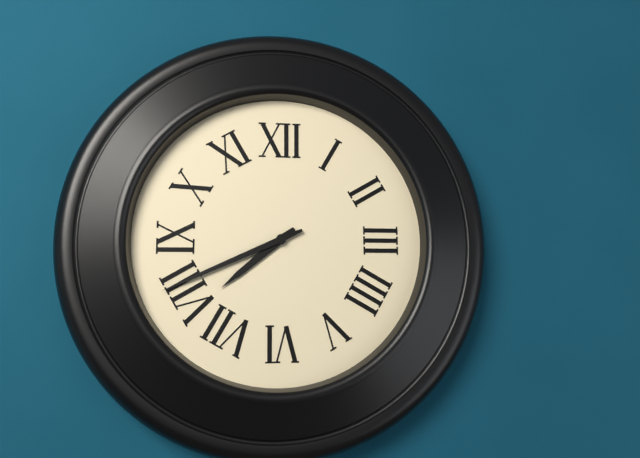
h=7 m=41
